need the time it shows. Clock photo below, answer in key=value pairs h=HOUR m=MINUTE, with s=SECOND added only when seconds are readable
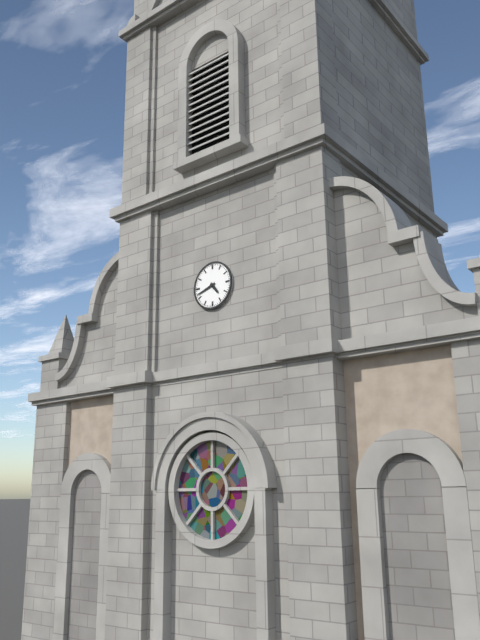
h=4 m=42
